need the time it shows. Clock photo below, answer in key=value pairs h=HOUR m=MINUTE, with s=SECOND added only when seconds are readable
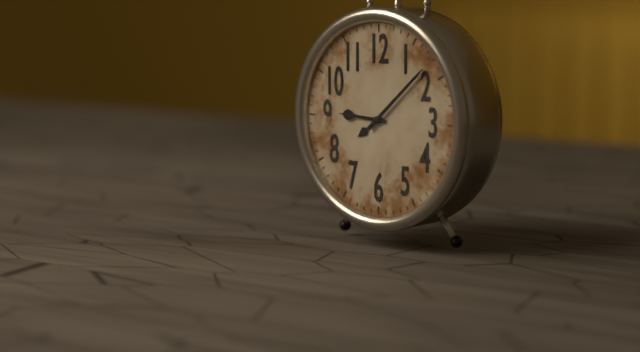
h=9 m=8
